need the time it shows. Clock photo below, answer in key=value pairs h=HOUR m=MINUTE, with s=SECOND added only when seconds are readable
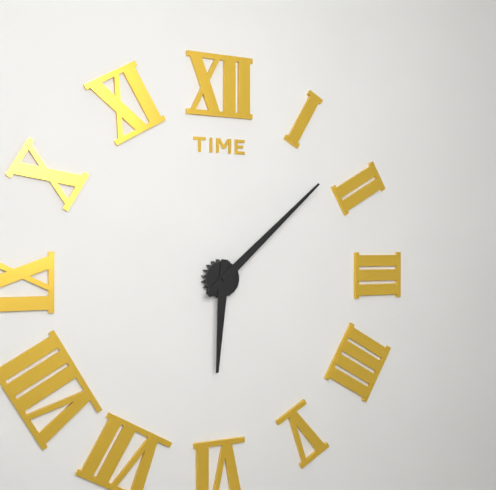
h=6 m=8
